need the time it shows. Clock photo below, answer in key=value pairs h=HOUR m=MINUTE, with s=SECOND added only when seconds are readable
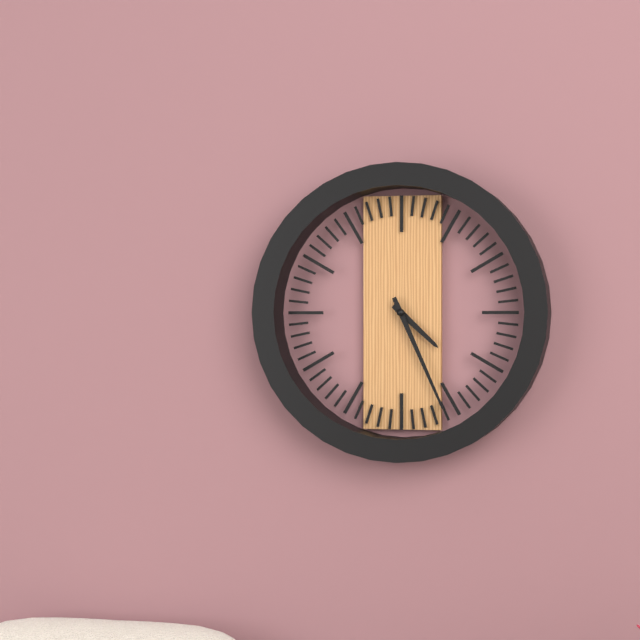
h=4 m=26
